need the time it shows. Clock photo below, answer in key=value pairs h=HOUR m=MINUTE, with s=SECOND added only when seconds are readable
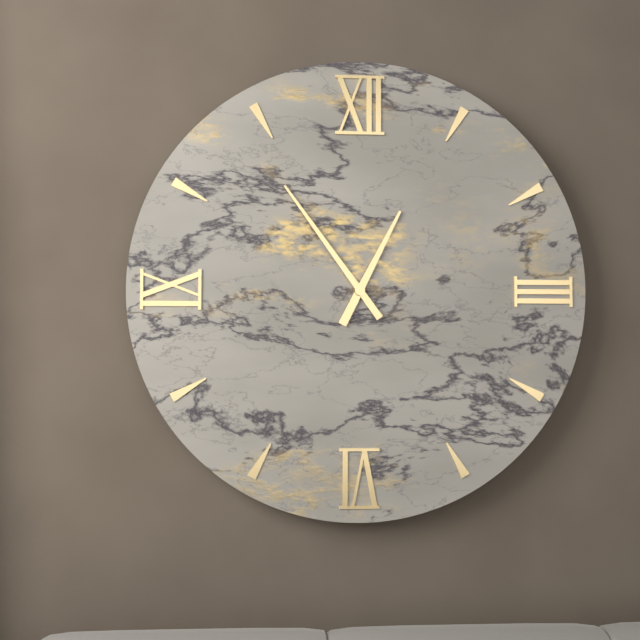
h=12 m=54
